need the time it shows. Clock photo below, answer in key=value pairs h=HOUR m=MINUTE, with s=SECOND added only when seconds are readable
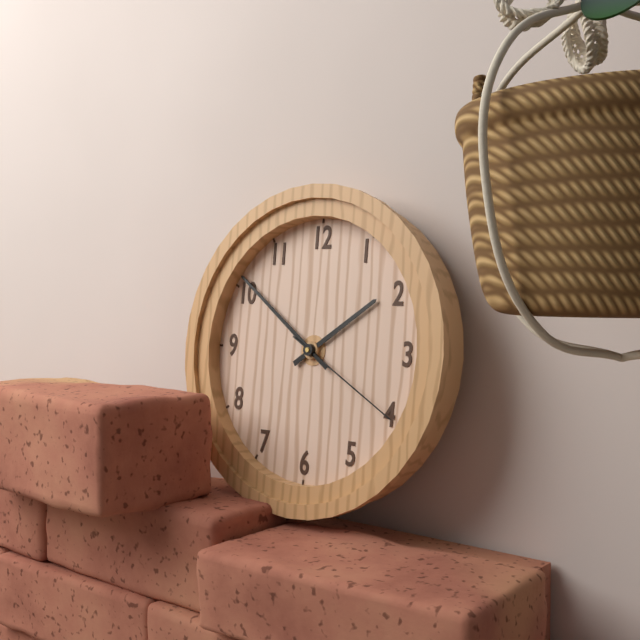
h=1 m=51 s=20
